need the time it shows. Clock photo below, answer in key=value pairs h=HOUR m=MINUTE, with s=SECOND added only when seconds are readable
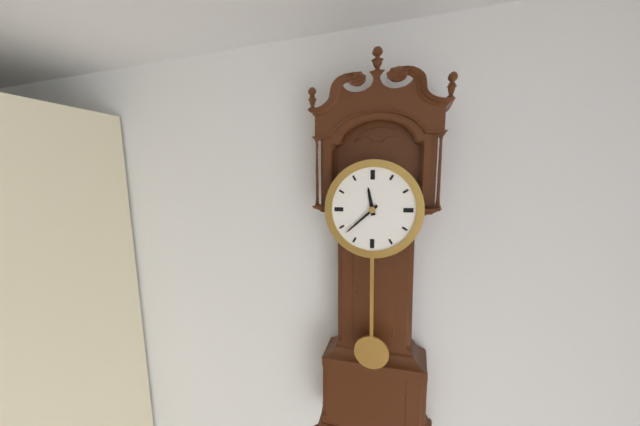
h=11 m=38
